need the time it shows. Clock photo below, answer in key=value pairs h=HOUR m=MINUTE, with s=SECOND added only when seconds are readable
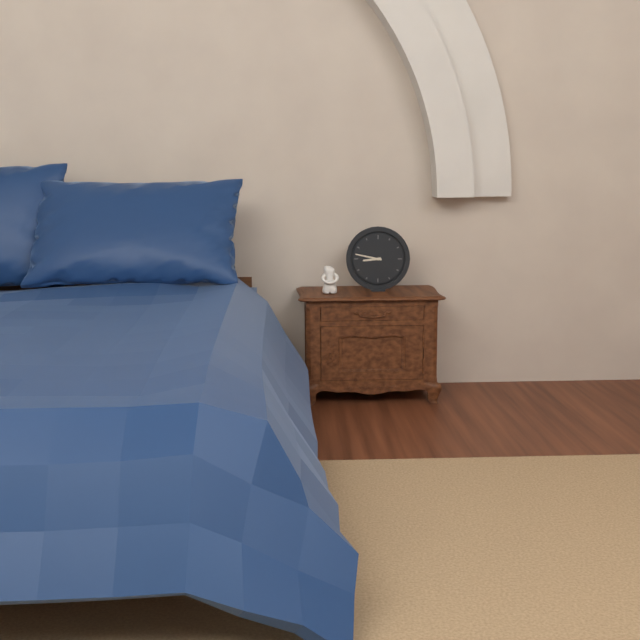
h=8 m=47
